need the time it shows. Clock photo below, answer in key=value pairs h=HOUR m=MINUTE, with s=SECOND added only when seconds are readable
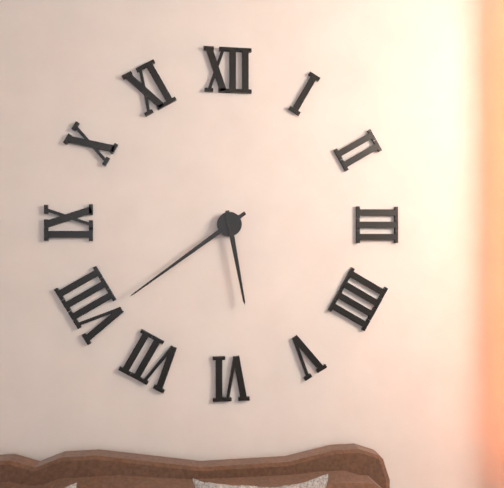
h=5 m=39
